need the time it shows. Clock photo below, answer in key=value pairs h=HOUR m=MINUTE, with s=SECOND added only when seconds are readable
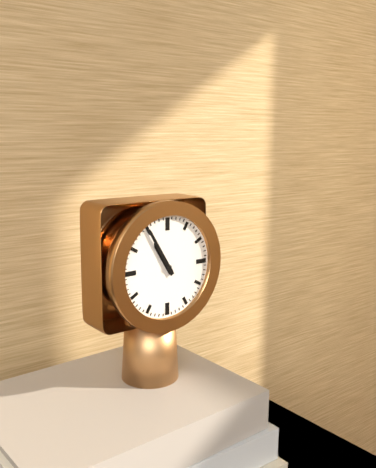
h=10 m=55
